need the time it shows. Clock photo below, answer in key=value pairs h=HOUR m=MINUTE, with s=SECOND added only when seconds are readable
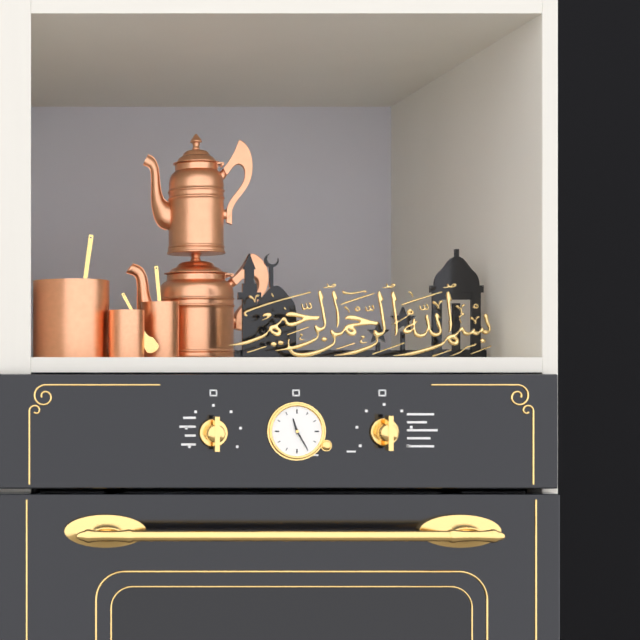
h=11 m=25
